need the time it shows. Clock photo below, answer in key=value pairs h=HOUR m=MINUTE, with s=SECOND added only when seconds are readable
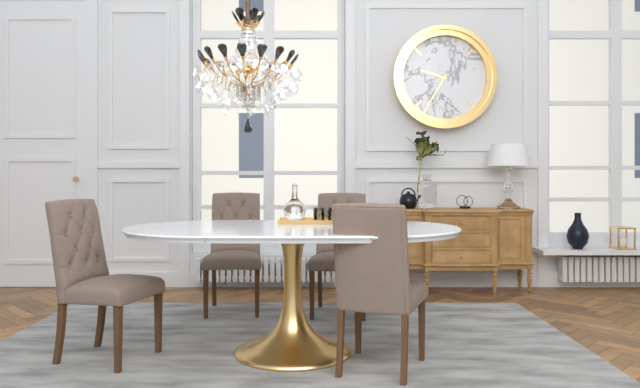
h=9 m=35
